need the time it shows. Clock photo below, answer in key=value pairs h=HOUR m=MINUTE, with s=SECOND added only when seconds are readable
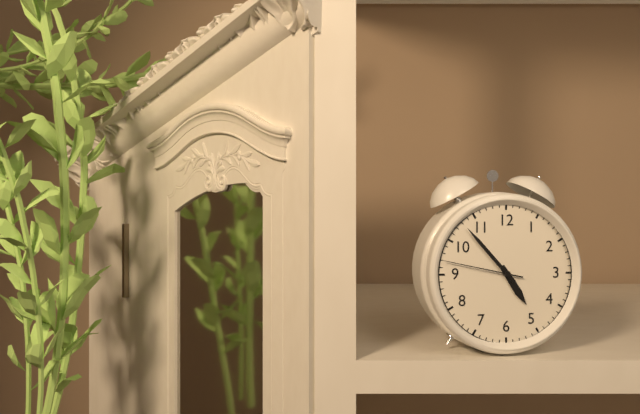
h=4 m=53 s=47
